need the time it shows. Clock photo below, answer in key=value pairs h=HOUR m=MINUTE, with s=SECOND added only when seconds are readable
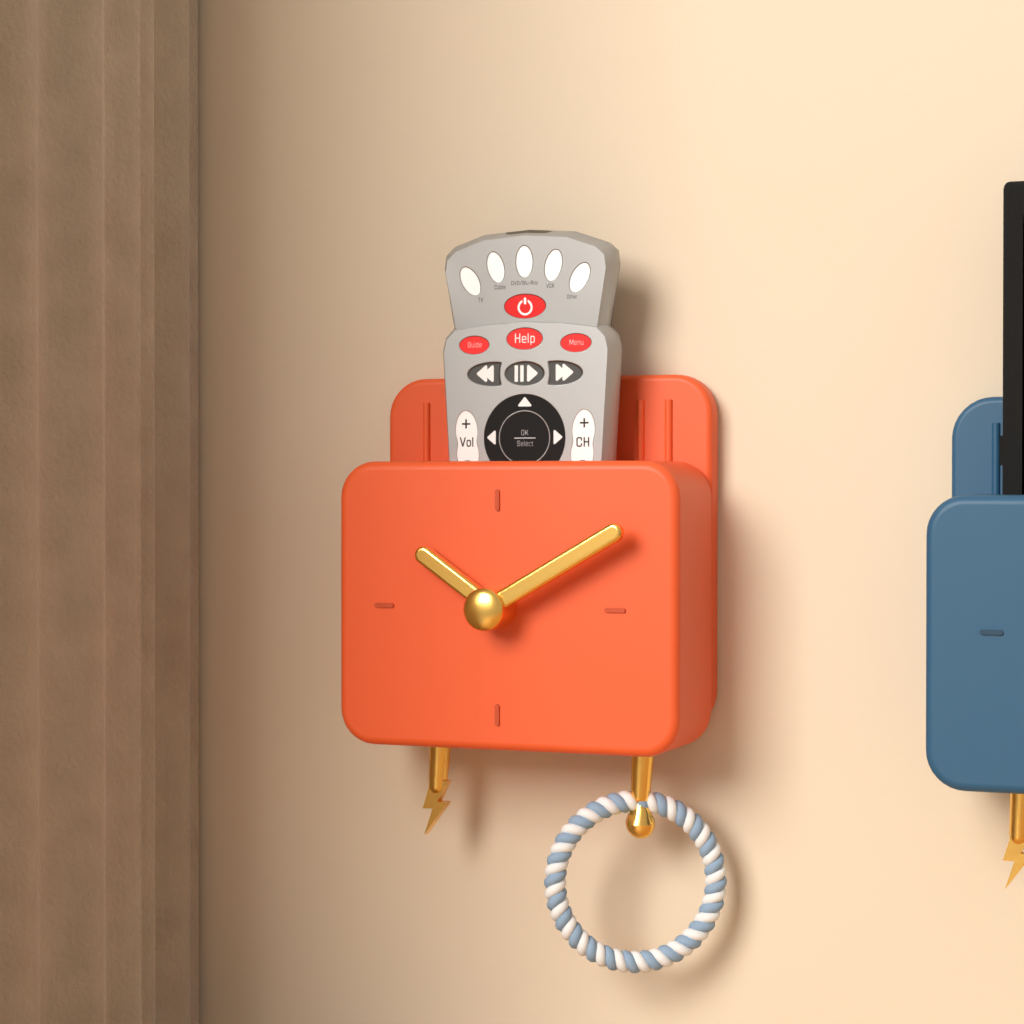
h=10 m=10
